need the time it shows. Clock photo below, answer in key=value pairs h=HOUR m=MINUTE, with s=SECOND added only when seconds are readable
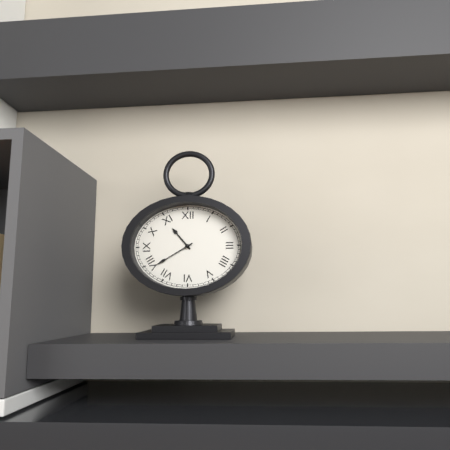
h=10 m=40
